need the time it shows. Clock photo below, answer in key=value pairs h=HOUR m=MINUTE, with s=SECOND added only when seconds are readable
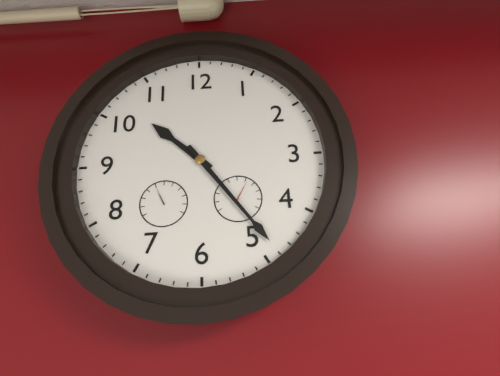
h=10 m=24
